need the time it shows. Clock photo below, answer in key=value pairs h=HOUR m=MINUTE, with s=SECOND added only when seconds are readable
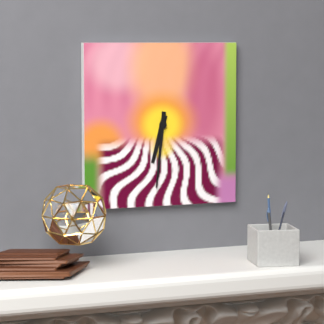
h=6 m=31
